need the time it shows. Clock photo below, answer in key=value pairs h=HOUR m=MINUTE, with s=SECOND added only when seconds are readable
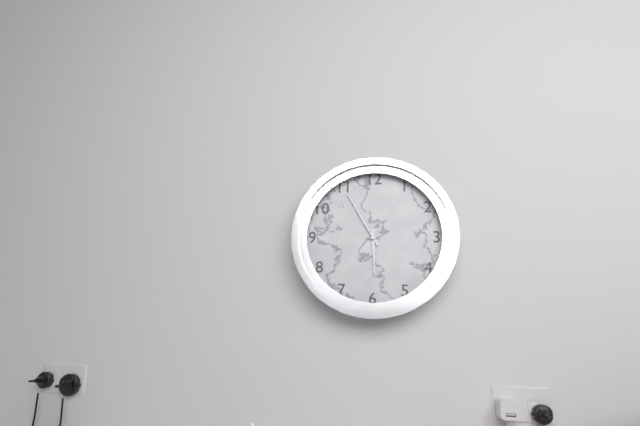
h=5 m=55
